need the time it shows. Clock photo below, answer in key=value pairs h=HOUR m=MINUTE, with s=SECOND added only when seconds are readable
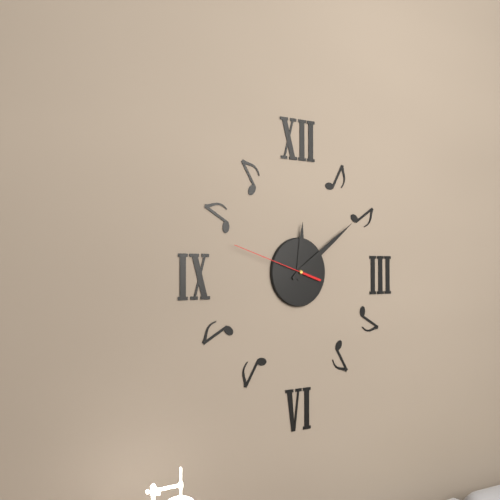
h=12 m=9 s=48
